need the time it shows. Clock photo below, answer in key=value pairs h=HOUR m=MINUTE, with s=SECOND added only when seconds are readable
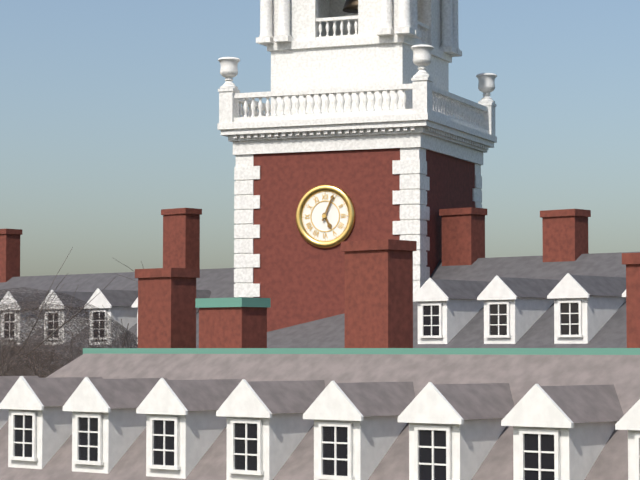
h=5 m=4
